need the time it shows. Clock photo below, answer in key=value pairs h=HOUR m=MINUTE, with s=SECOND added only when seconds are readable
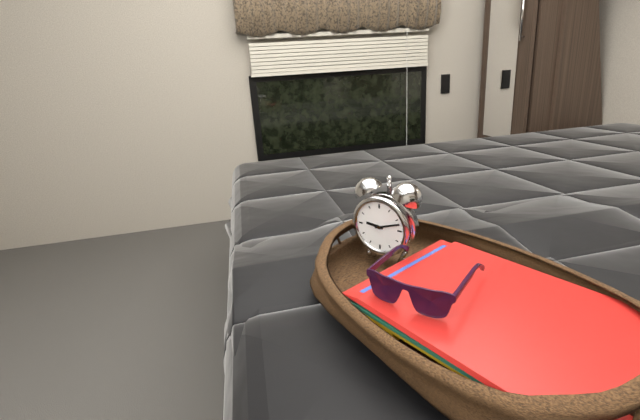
h=9 m=12
